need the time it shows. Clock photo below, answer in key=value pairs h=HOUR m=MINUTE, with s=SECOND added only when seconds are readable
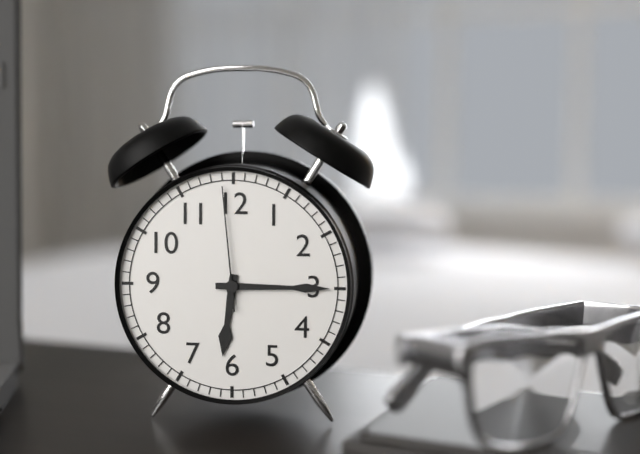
h=6 m=15 s=59
